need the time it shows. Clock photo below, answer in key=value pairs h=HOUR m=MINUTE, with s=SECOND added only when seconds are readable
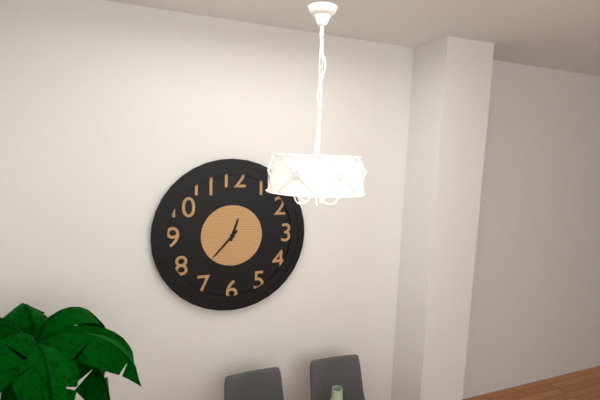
h=12 m=37
